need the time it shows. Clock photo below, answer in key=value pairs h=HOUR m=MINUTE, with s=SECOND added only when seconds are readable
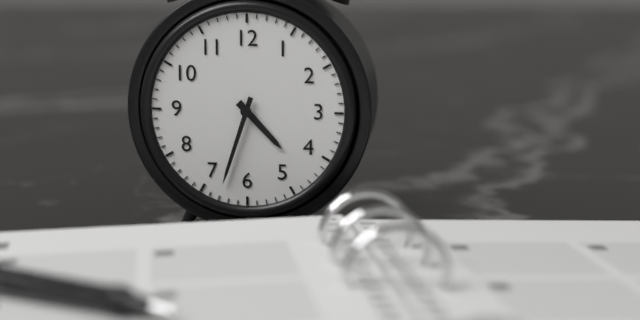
h=4 m=33
